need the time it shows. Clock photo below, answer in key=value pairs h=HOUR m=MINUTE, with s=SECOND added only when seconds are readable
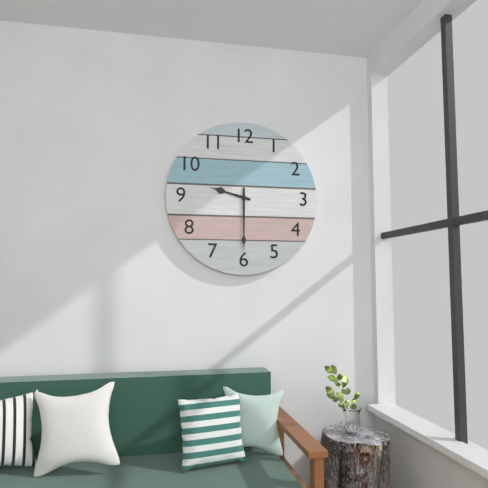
h=9 m=30
